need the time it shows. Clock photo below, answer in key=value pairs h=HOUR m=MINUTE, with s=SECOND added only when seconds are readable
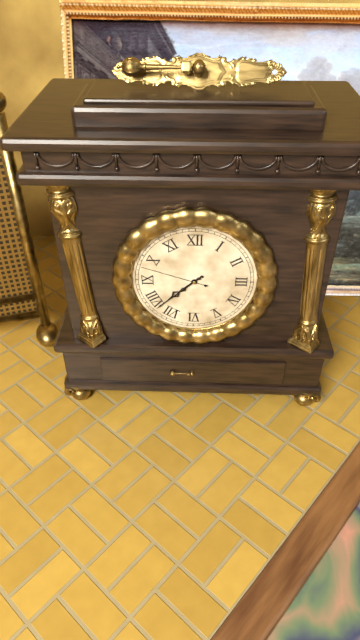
h=7 m=38 s=48
